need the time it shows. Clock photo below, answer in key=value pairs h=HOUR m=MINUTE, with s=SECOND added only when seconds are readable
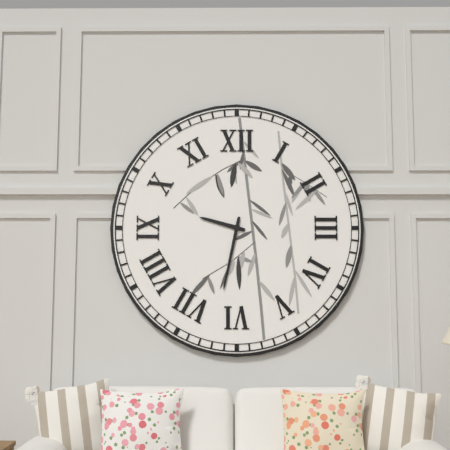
h=9 m=32
